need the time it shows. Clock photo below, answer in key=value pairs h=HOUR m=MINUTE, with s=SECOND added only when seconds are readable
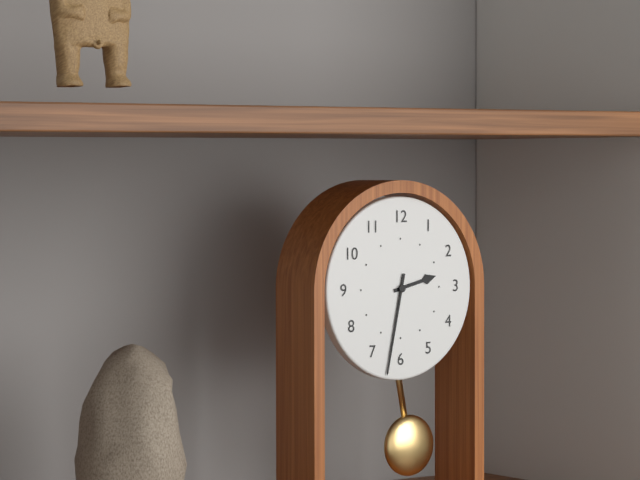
h=2 m=32
